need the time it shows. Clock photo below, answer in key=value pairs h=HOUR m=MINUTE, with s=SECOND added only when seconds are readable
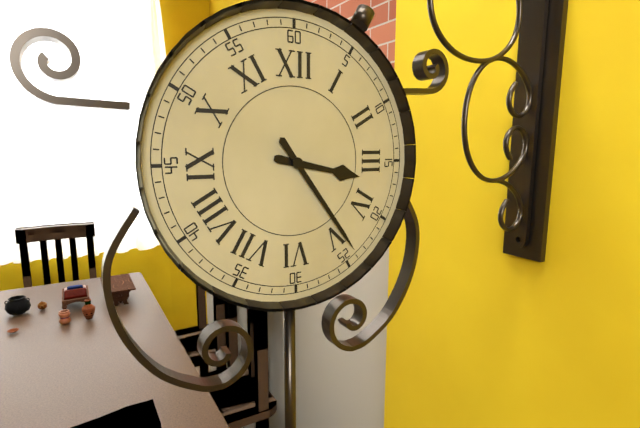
h=3 m=24
